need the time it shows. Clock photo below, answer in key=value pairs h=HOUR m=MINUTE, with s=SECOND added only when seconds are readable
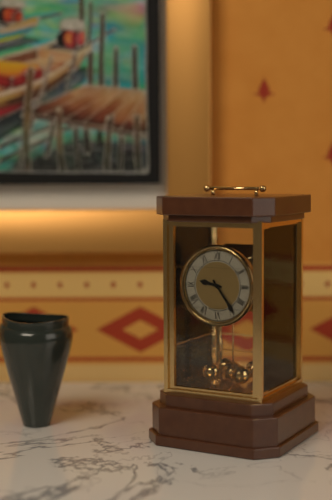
h=9 m=24
